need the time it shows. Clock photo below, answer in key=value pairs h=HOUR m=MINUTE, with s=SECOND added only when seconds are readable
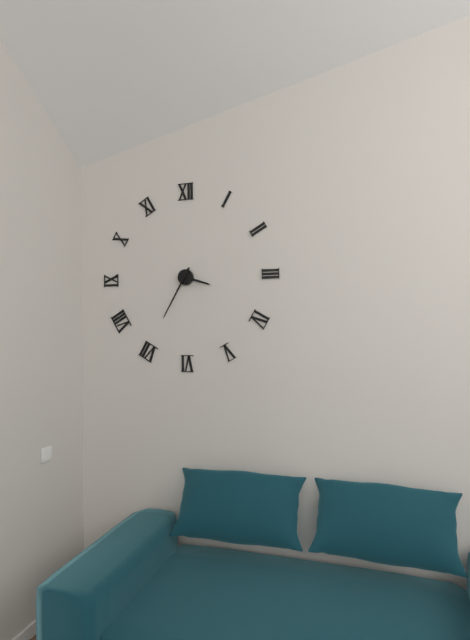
h=3 m=35
